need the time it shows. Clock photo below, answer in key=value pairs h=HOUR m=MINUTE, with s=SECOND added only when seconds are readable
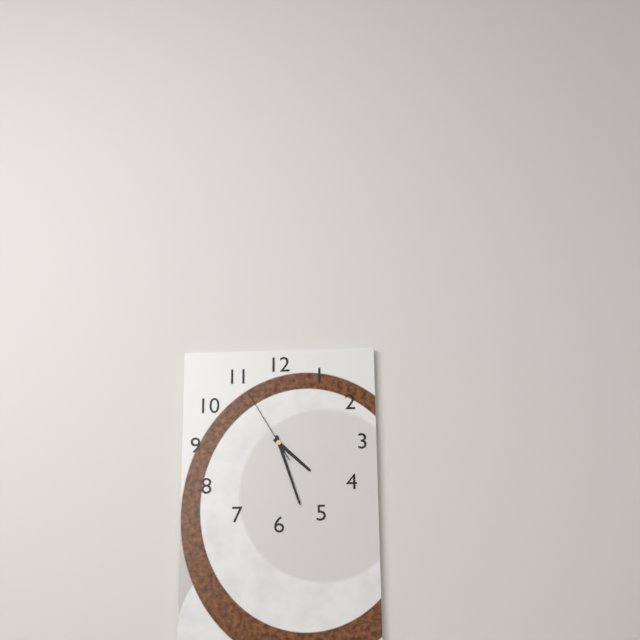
h=4 m=27 s=55
